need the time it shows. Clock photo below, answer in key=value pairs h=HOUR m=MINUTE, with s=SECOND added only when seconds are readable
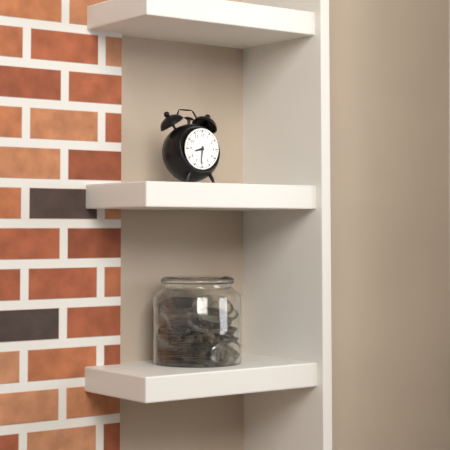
h=8 m=31
